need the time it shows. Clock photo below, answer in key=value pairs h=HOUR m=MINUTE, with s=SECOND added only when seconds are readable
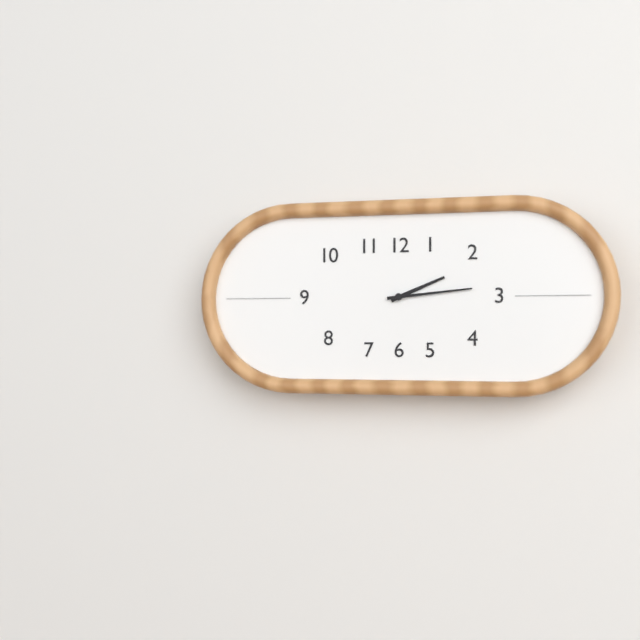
h=2 m=14
